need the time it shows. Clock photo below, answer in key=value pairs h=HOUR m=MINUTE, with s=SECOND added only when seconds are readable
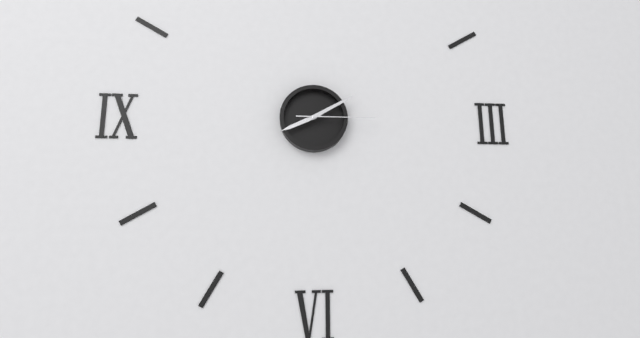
h=8 m=10 s=15
